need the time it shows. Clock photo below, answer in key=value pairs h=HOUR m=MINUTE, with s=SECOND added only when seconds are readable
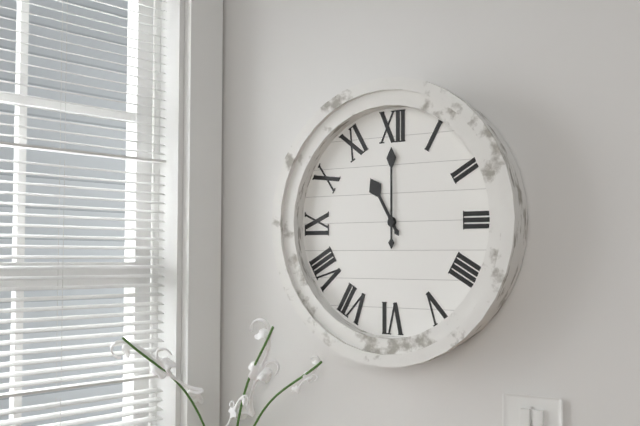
h=11 m=0
